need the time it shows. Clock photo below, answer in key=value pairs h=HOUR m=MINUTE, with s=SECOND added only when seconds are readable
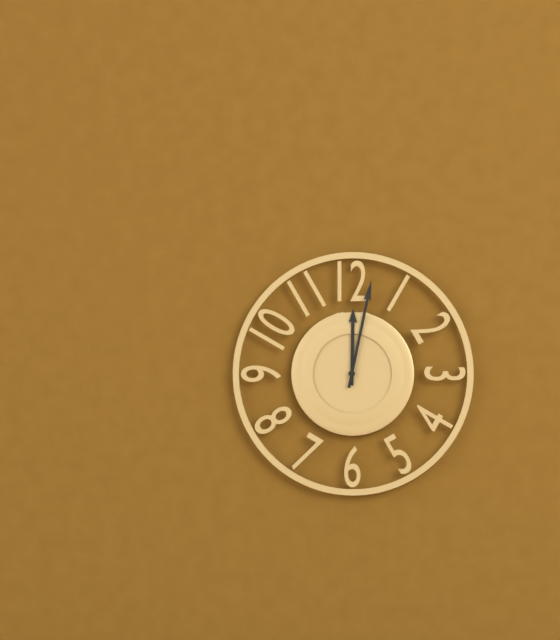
h=12 m=2
